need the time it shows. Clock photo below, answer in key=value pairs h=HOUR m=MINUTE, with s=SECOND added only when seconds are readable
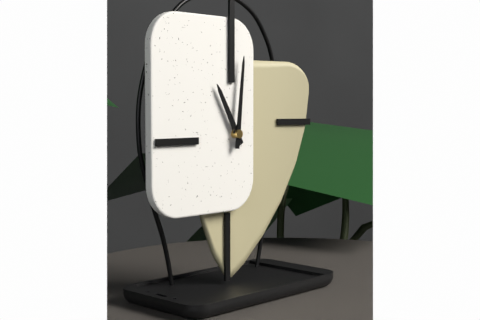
h=11 m=1
